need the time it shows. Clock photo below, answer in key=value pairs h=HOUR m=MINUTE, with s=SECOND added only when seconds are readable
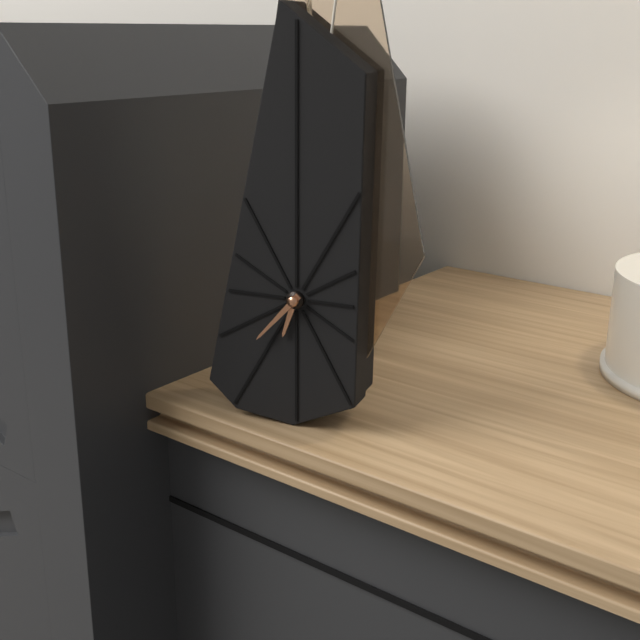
h=6 m=37
